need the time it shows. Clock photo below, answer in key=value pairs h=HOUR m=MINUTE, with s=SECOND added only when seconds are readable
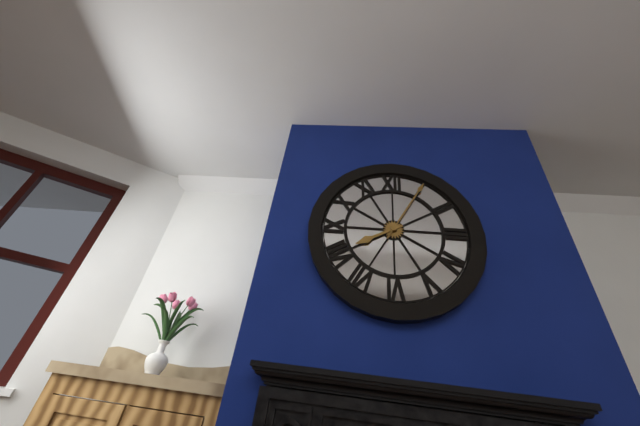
h=8 m=5
